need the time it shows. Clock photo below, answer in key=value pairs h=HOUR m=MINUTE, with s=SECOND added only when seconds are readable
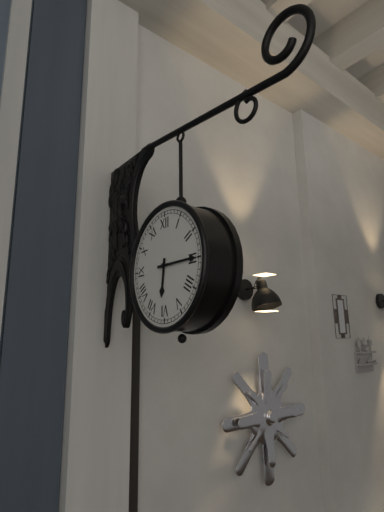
h=6 m=15
